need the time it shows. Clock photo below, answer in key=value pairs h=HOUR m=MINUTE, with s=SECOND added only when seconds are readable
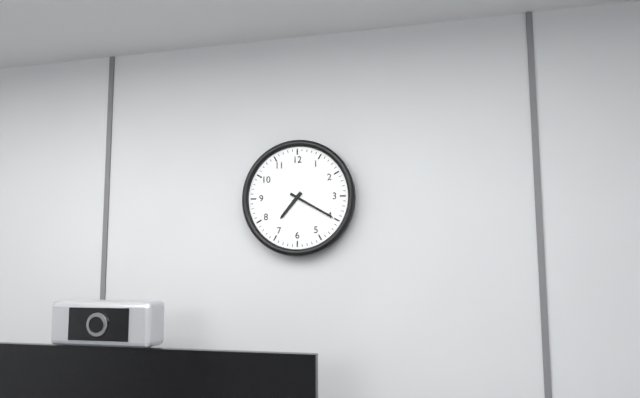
h=7 m=20
